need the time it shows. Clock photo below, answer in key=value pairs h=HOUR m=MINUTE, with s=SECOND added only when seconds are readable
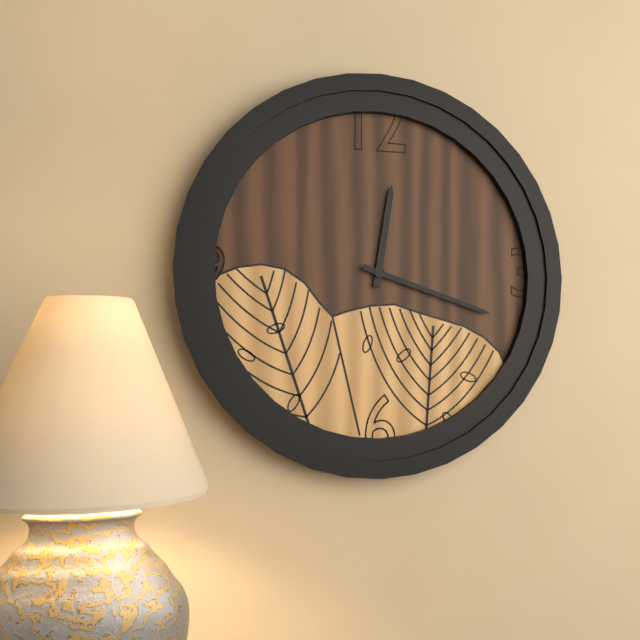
h=12 m=18
